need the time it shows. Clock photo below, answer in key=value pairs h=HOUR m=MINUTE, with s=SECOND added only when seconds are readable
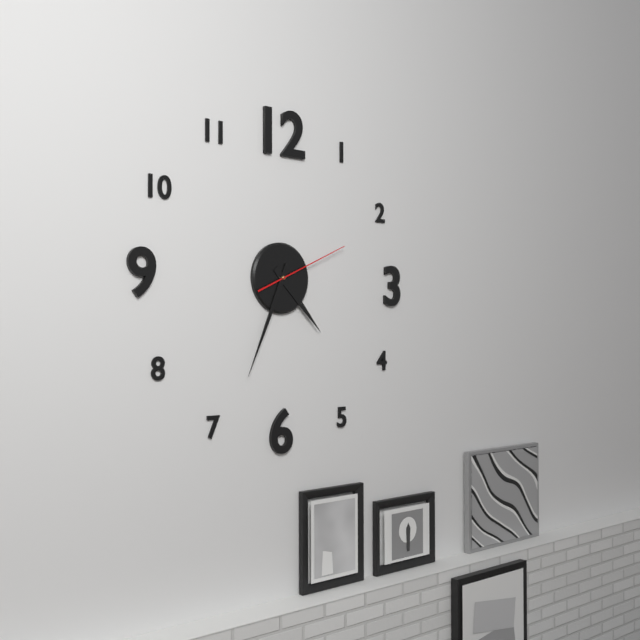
h=4 m=34 s=11
